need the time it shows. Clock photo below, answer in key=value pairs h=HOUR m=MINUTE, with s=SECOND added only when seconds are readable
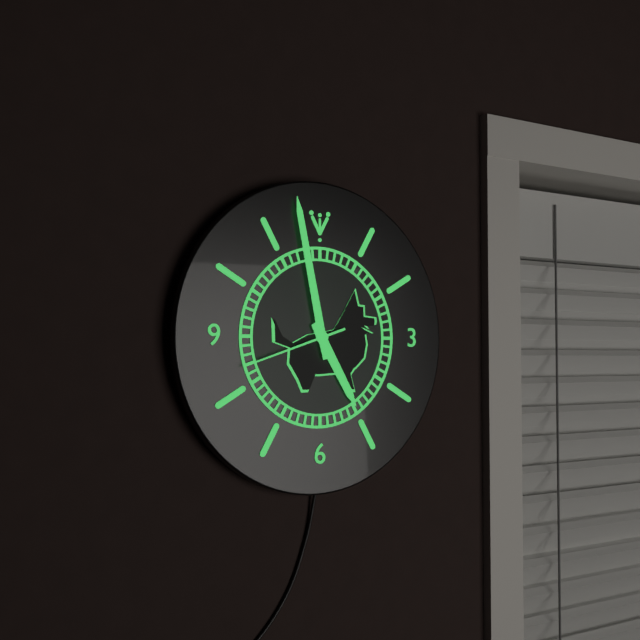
h=4 m=58 s=42
